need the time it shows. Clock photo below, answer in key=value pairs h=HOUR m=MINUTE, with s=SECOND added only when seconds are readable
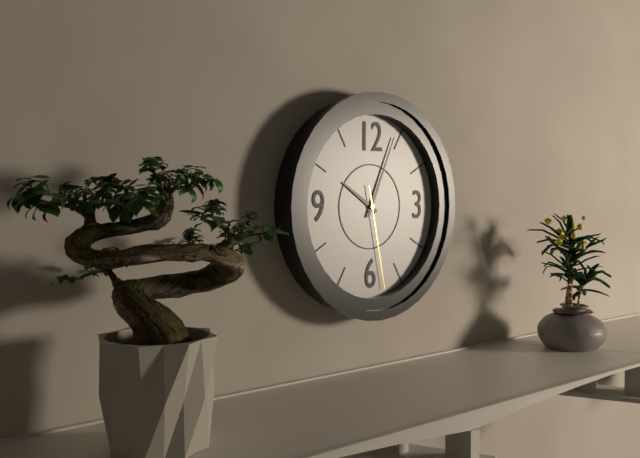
h=10 m=4 s=28
